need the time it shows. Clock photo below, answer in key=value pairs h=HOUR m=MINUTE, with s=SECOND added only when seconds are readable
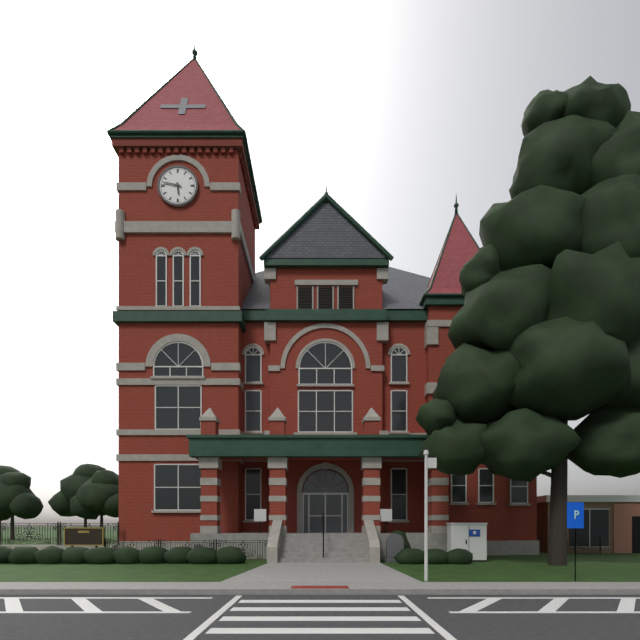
h=5 m=47
